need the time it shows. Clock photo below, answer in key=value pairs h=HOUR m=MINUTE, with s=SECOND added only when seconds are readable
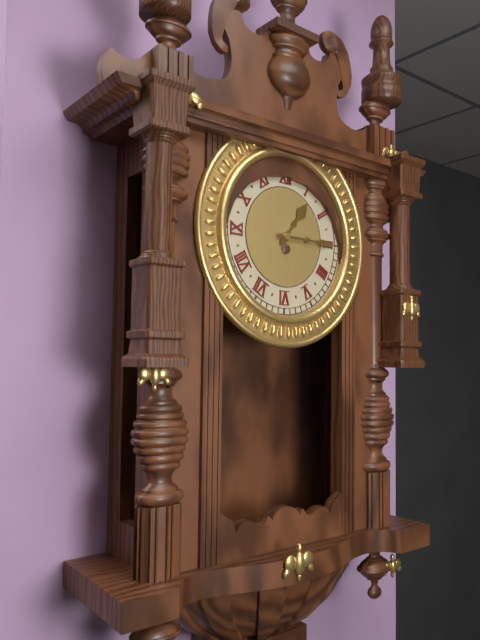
h=1 m=15
